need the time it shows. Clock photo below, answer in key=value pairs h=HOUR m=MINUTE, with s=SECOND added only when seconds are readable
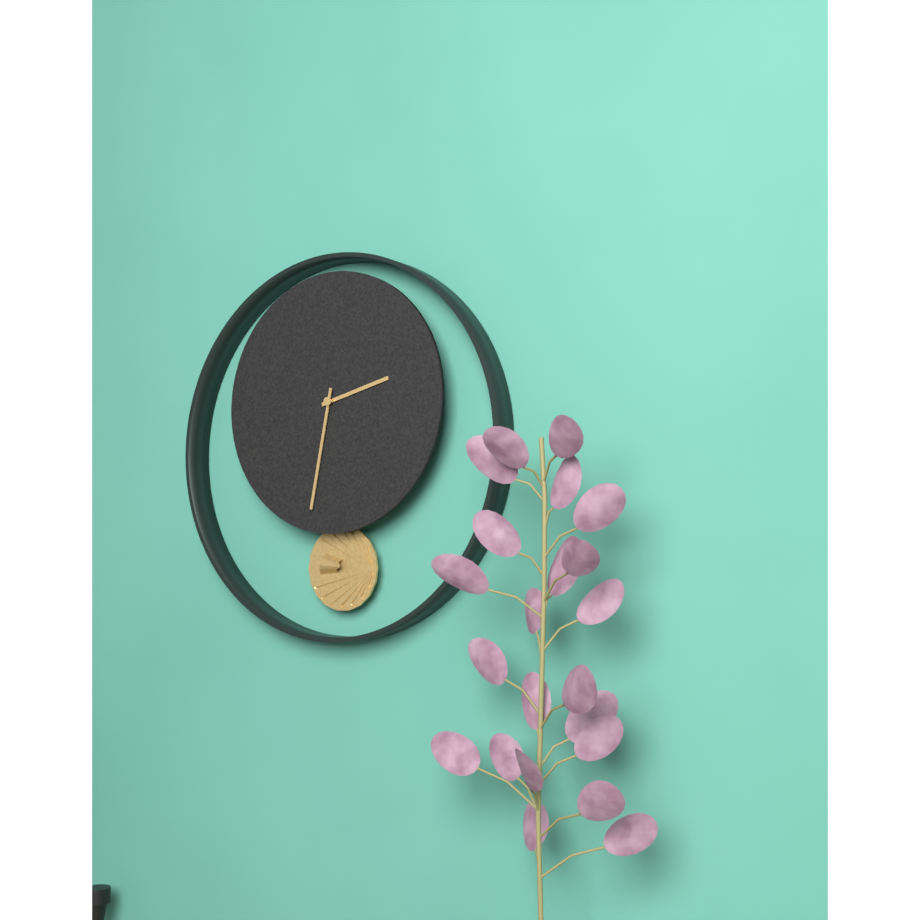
h=2 m=32
